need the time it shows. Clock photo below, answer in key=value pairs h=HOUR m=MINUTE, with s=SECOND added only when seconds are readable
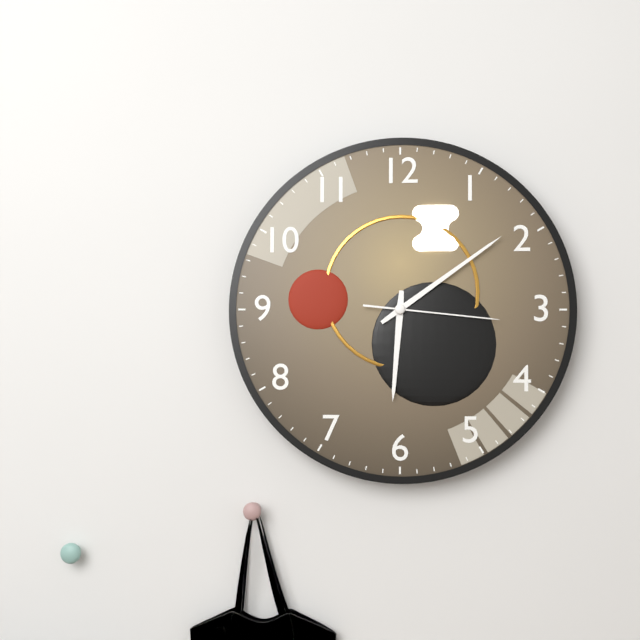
h=6 m=9 s=16
